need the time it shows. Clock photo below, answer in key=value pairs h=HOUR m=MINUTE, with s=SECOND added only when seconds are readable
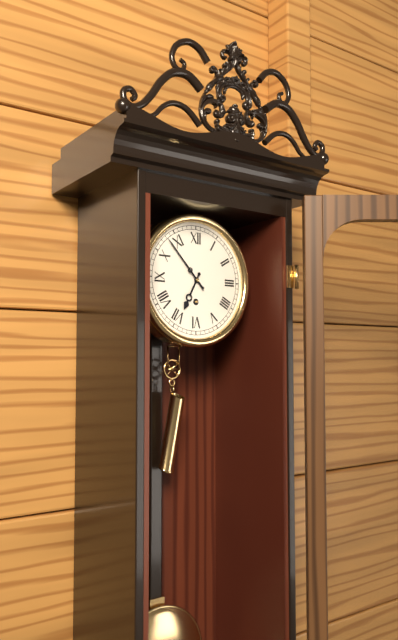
h=6 m=53
